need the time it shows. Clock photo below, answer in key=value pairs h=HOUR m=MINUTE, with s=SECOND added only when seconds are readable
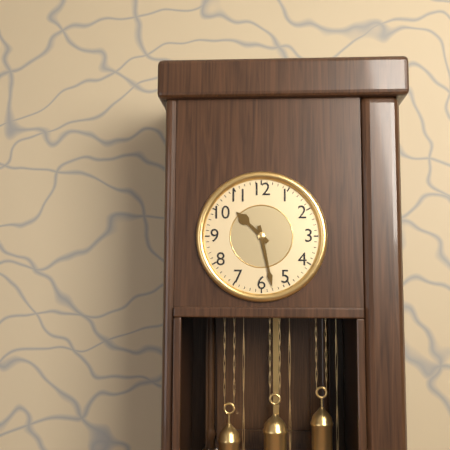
h=10 m=28
